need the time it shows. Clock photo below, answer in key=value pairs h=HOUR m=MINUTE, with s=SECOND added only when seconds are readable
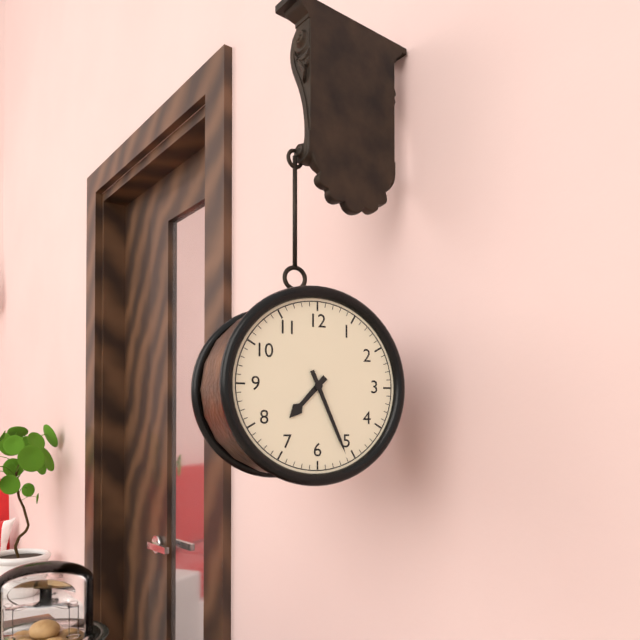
h=7 m=26
